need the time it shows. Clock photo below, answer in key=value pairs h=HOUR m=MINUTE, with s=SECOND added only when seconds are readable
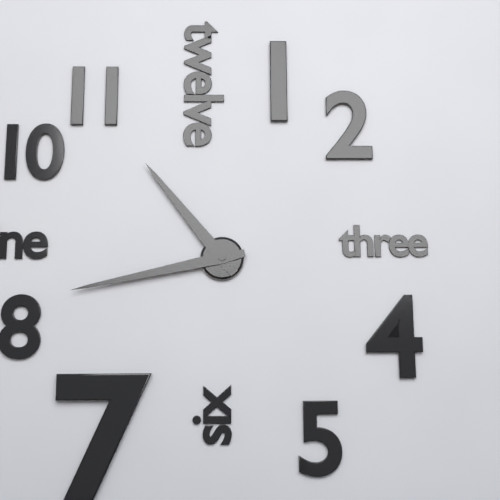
h=10 m=43
